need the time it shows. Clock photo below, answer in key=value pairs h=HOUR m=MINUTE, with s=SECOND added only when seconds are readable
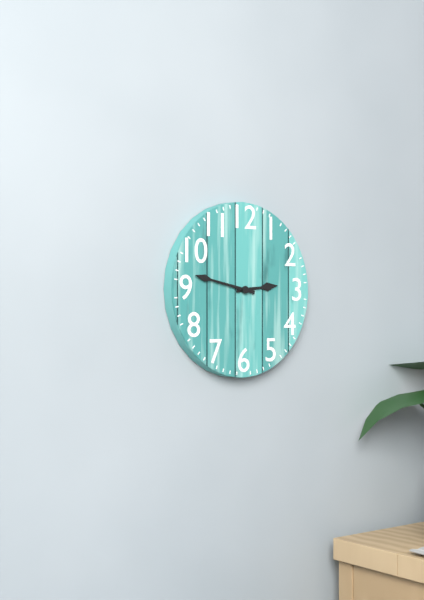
h=2 m=47
